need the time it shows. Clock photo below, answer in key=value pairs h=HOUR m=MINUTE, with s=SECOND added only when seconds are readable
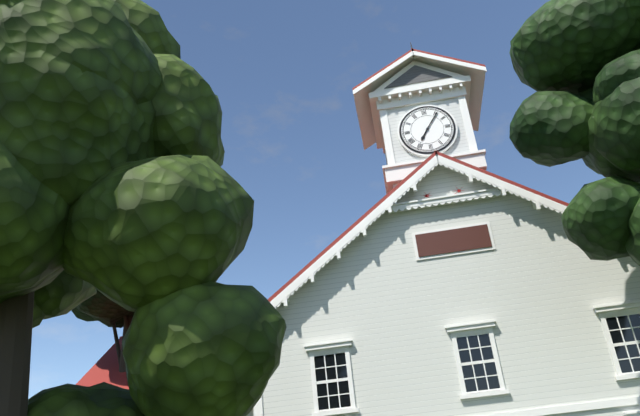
h=7 m=6
